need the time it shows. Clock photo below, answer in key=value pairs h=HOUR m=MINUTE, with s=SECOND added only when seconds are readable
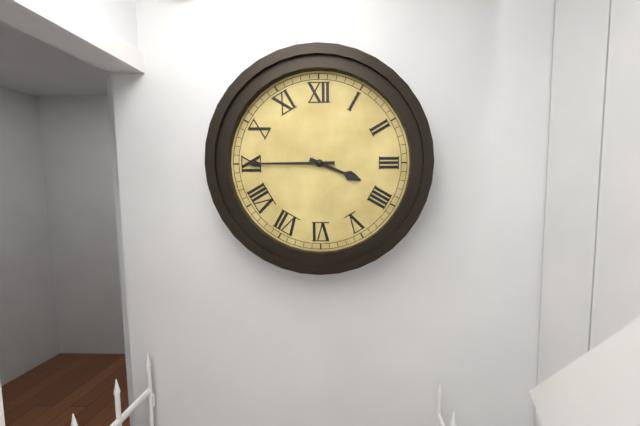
h=3 m=45
